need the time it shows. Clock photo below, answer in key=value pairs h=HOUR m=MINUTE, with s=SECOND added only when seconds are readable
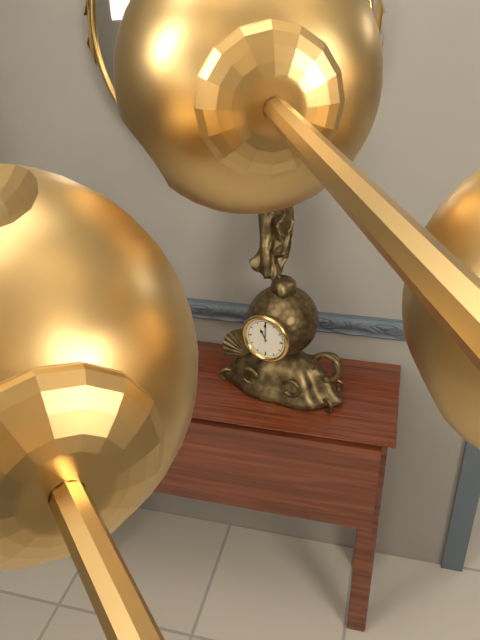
h=11 m=0
